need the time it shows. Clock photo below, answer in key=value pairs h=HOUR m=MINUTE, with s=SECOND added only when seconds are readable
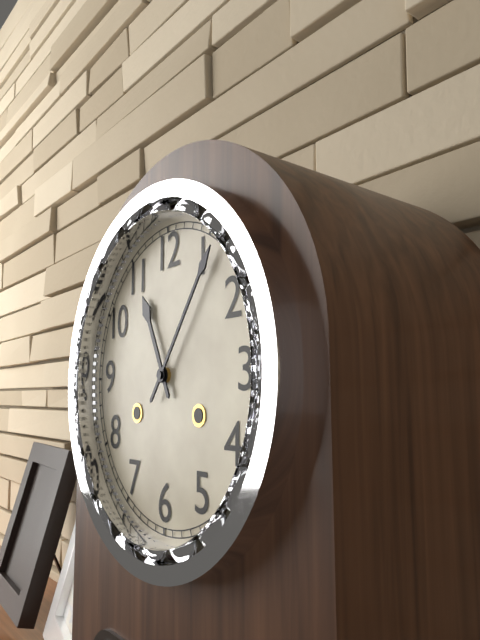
h=11 m=6
